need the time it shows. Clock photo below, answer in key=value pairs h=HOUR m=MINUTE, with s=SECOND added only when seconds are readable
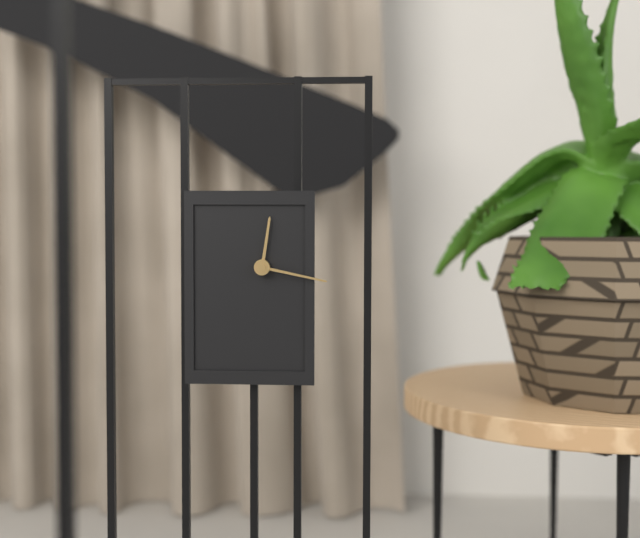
h=12 m=17
